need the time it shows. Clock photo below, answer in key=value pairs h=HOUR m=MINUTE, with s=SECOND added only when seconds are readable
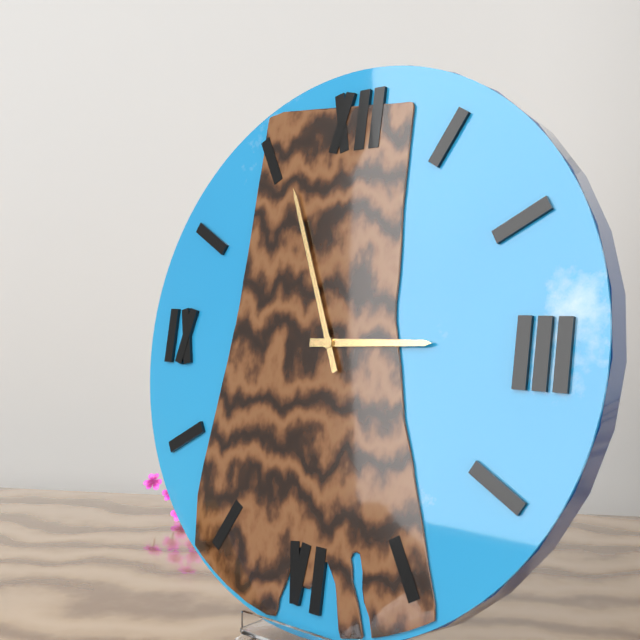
h=2 m=56
